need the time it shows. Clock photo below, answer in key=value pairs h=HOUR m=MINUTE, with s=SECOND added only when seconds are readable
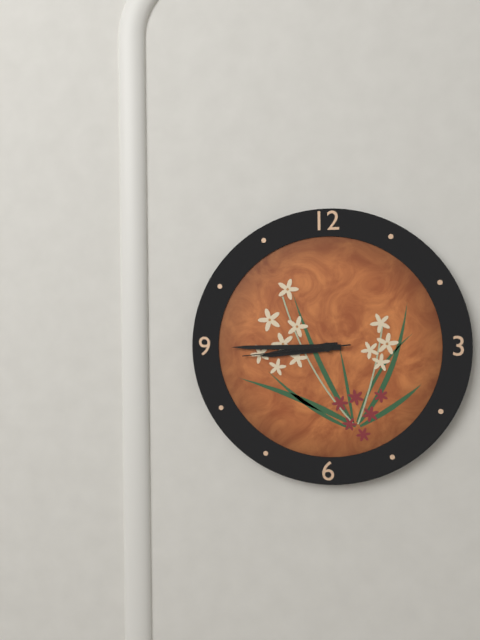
h=8 m=45 s=44
